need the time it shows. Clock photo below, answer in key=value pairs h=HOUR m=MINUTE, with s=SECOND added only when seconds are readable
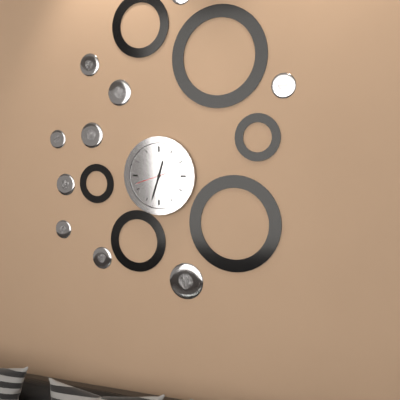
h=12 m=33
